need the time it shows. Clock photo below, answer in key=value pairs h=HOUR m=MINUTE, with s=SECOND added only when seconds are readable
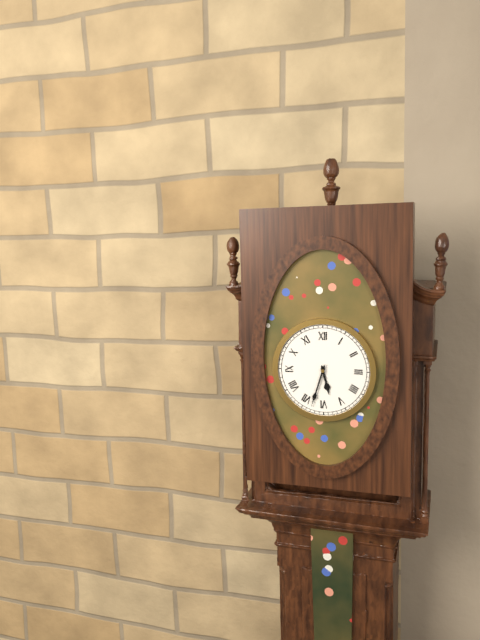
h=5 m=33
